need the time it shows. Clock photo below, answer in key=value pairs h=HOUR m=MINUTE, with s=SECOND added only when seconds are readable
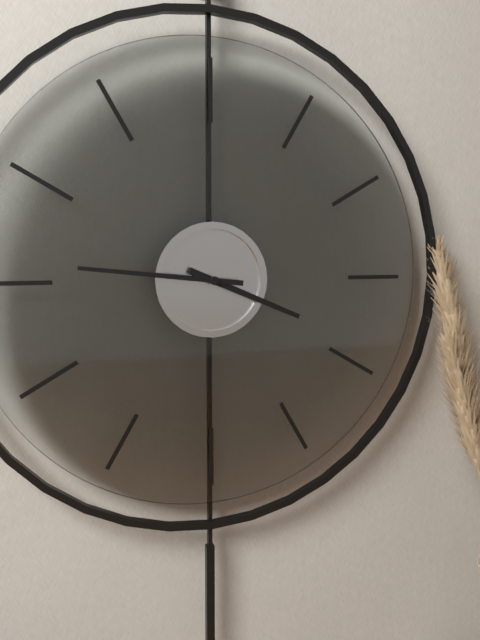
h=3 m=46
